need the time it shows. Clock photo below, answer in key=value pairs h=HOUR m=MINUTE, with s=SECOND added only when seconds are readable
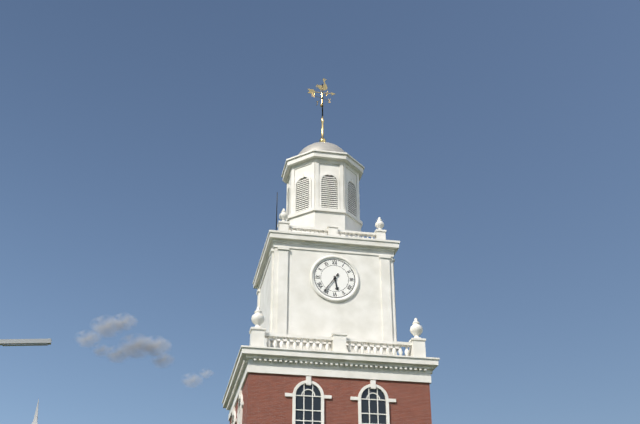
h=5 m=36
